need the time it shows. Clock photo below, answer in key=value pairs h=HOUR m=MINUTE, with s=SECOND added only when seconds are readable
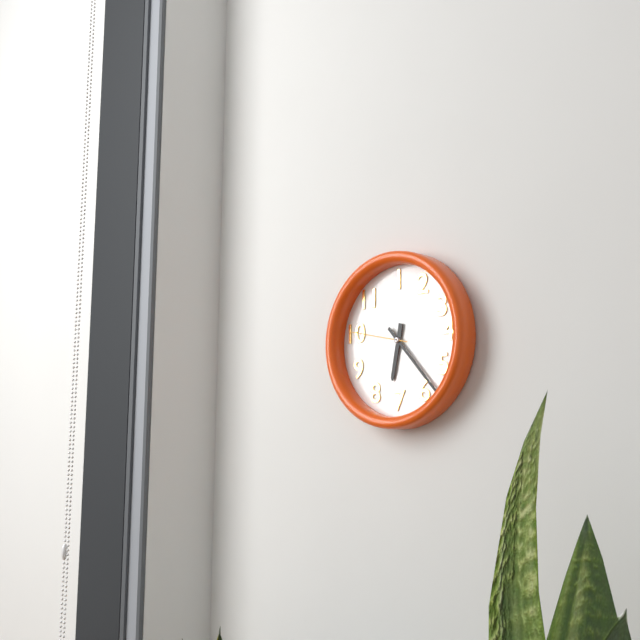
h=6 m=23 s=47
